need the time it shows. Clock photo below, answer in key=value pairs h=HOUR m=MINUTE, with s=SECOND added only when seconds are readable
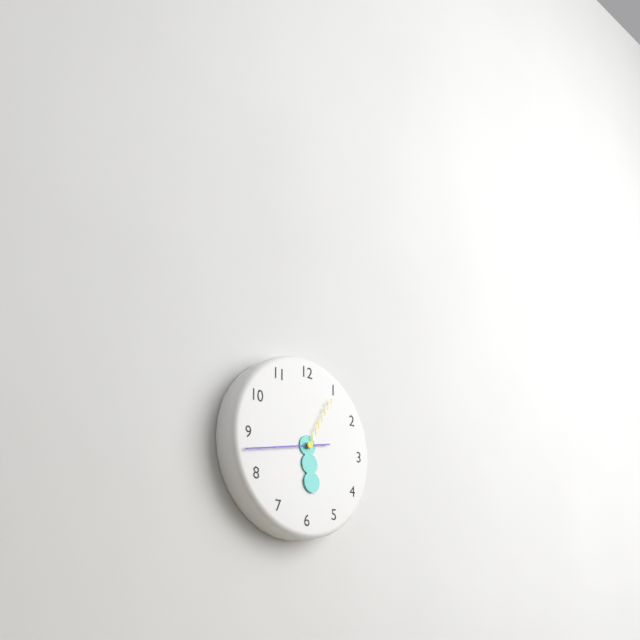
h=5 m=43 s=5
